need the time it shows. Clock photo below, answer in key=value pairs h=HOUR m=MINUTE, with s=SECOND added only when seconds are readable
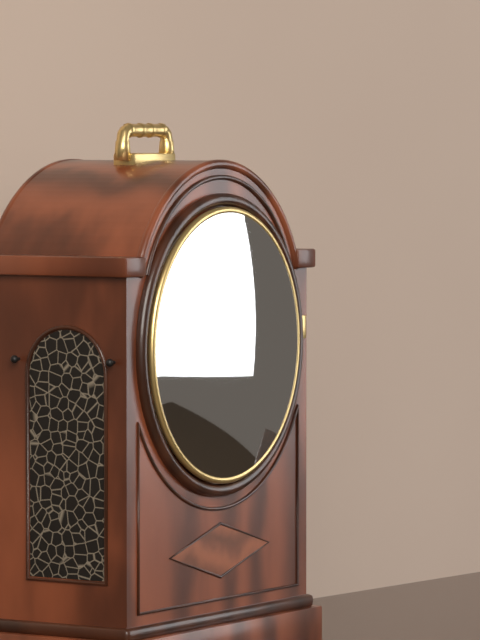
h=9 m=36
